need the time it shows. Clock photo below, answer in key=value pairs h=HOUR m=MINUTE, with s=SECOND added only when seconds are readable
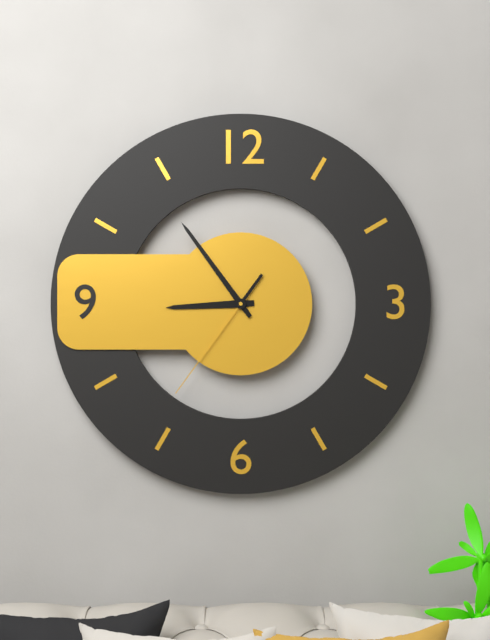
h=8 m=54 s=36
